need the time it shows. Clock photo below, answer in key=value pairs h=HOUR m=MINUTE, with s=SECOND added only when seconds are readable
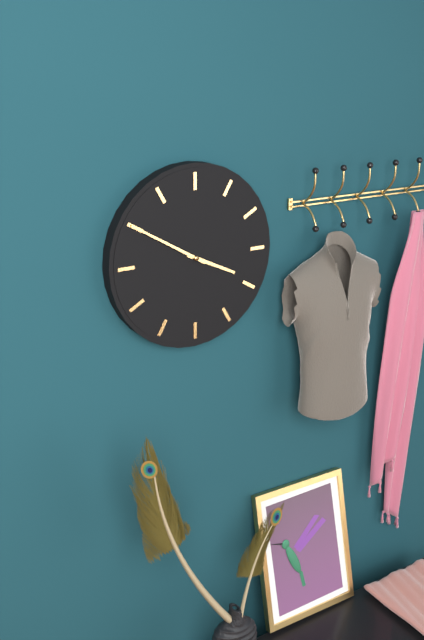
h=3 m=50
